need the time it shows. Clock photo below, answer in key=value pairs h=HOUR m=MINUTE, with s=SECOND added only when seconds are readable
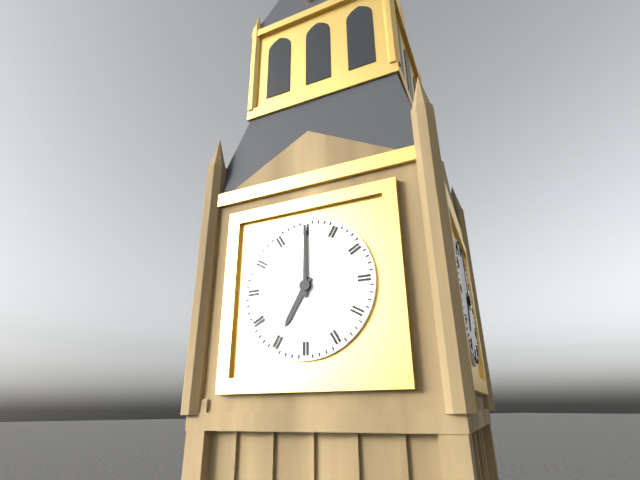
h=7 m=0
